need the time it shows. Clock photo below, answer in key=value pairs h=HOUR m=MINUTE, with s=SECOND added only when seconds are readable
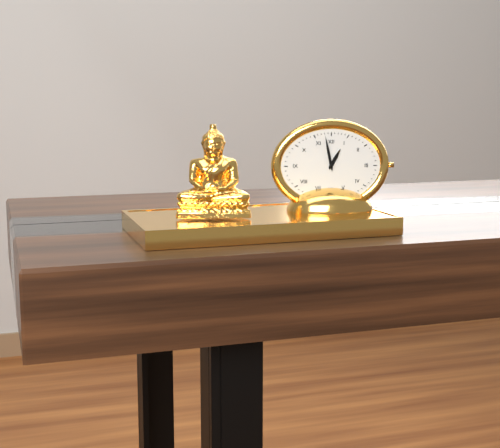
h=12 m=58
